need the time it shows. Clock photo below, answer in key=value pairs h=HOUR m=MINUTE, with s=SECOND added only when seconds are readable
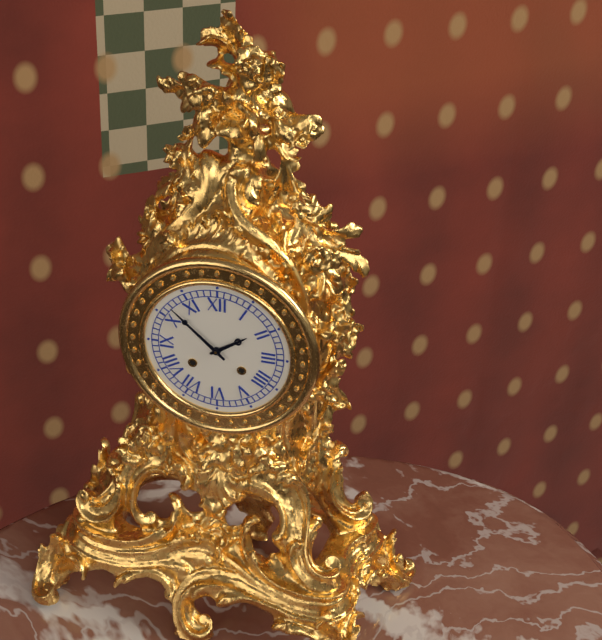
h=1 m=52
